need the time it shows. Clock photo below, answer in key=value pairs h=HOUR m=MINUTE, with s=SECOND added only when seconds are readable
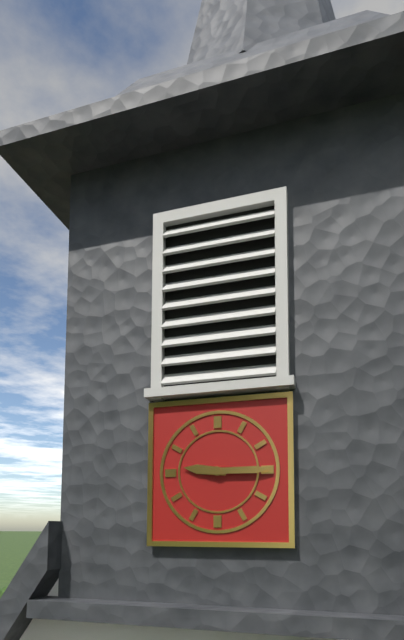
h=9 m=15
